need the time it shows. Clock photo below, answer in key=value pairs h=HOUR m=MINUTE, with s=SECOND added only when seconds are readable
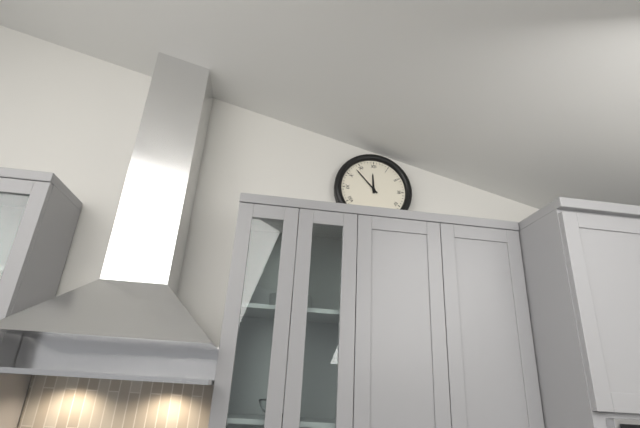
h=11 m=53
